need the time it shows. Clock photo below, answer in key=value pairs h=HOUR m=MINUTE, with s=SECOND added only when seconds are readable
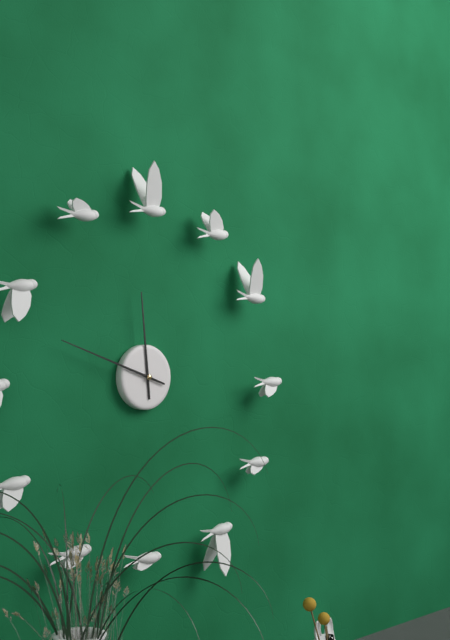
h=11 m=48
